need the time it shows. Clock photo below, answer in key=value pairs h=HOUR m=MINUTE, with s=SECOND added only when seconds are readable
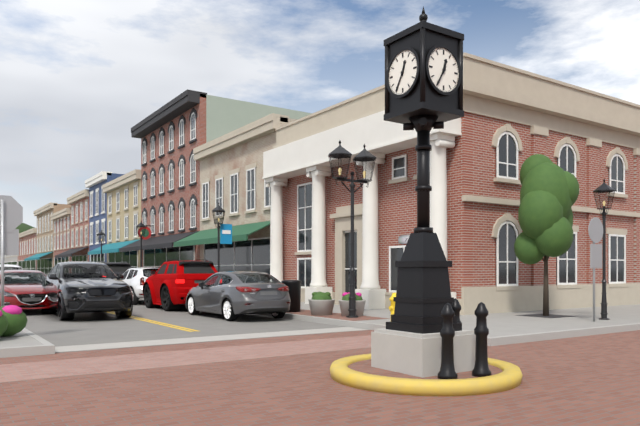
h=12 m=35
